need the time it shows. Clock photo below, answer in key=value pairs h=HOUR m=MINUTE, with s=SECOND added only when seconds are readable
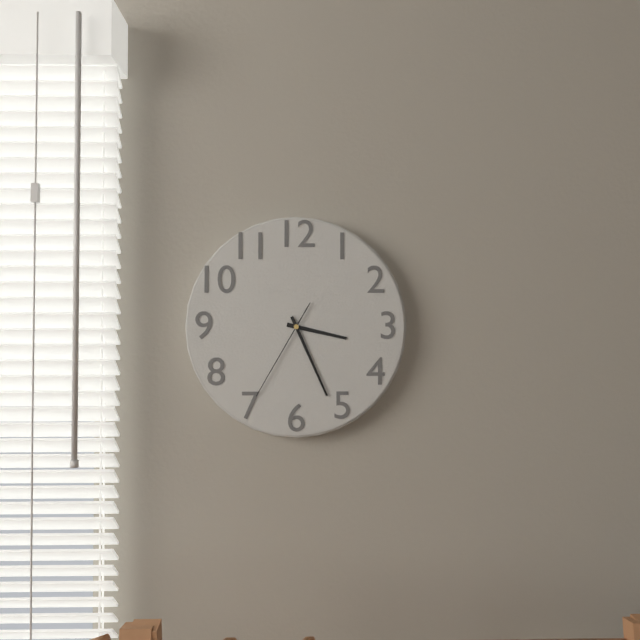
h=3 m=26 s=35
